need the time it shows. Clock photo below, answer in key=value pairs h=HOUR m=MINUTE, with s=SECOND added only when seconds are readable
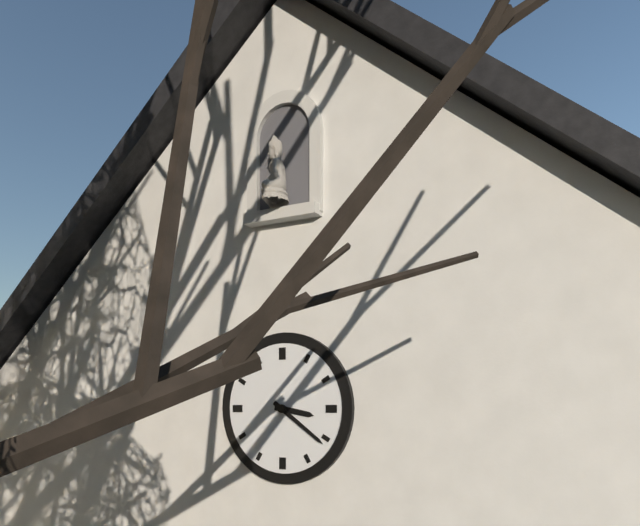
h=3 m=21
